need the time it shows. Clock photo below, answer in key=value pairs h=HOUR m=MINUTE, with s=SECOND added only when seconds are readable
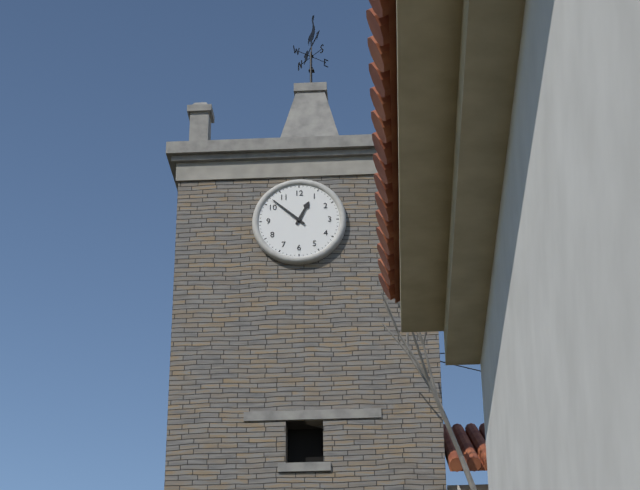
h=12 m=52
